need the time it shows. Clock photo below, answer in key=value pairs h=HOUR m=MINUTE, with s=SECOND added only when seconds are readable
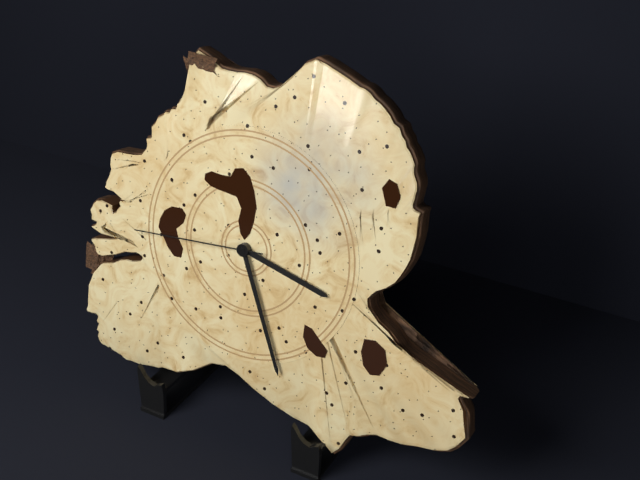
h=3 m=26 s=44
